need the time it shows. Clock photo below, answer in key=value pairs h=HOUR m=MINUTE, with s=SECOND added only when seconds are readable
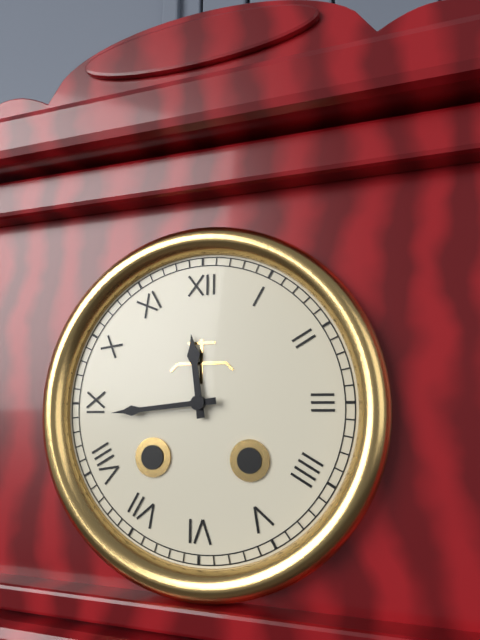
h=11 m=44
